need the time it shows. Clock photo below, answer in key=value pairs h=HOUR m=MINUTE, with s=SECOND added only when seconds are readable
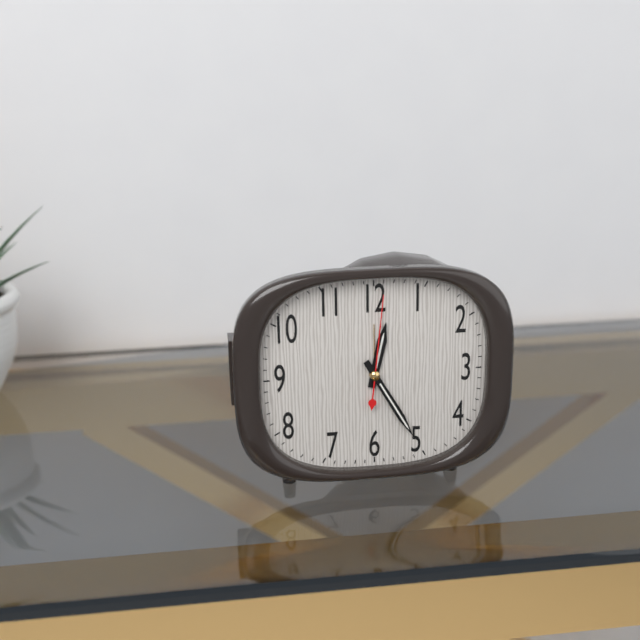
h=12 m=25 s=1
